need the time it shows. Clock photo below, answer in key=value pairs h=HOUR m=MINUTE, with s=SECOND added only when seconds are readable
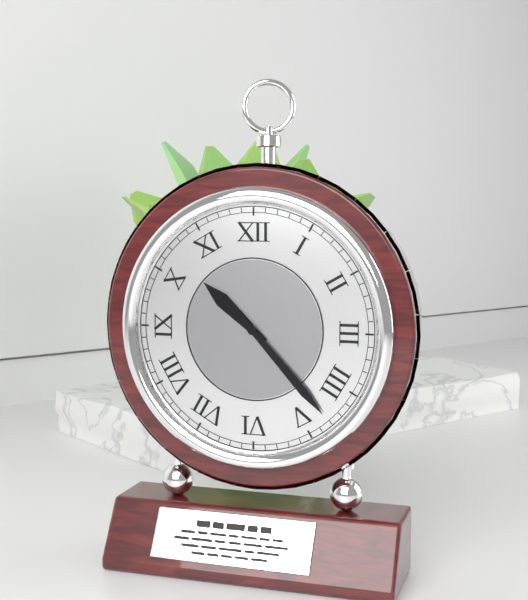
h=10 m=23
